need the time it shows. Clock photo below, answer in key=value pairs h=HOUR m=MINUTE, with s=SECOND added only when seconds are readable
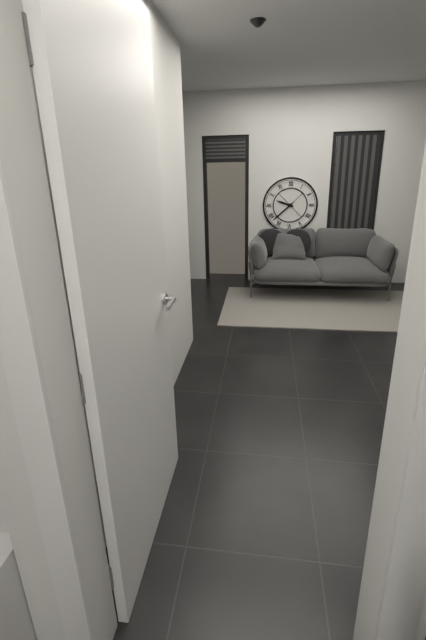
h=9 m=38
